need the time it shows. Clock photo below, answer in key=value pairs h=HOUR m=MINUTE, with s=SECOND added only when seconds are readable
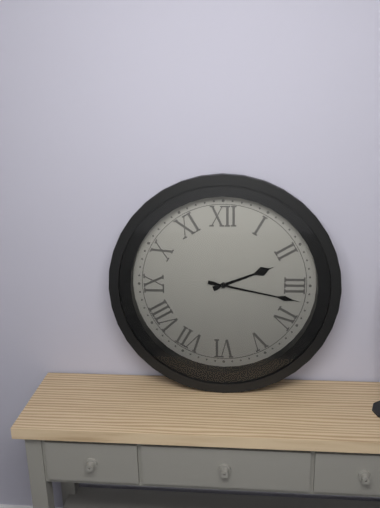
h=2 m=17
